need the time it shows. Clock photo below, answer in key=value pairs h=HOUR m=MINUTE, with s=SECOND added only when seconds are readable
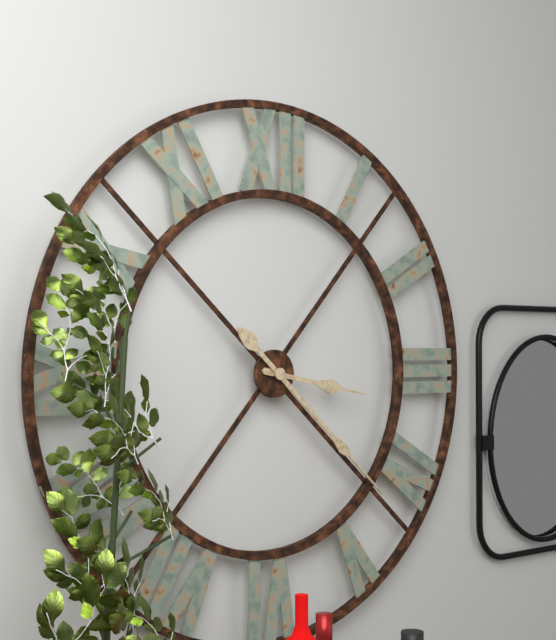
h=3 m=22
